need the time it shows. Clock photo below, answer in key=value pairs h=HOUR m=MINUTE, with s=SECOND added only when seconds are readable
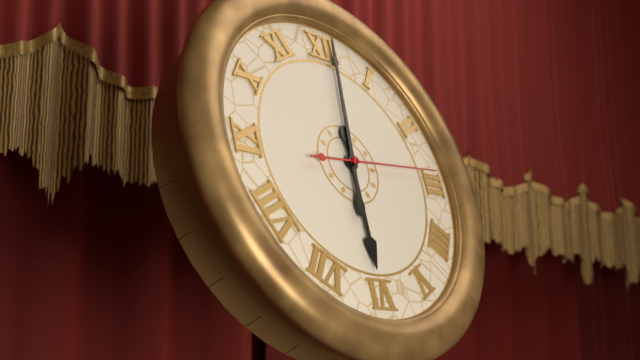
h=6 m=1 s=14
